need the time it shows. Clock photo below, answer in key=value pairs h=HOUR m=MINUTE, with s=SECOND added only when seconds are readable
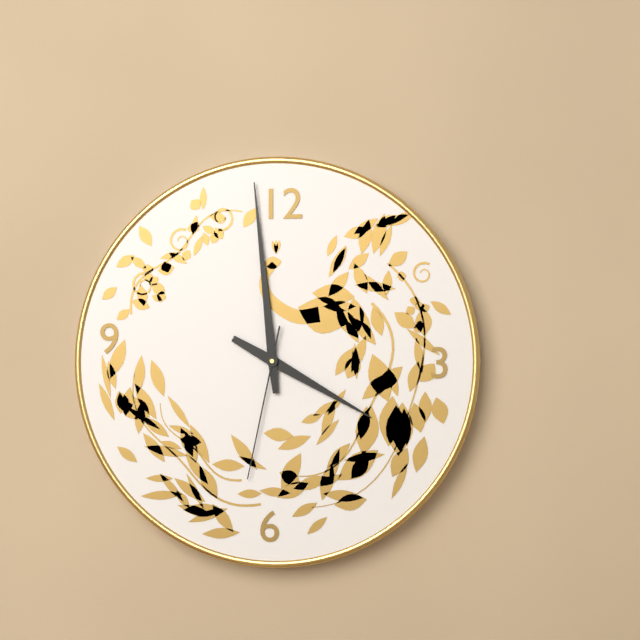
h=3 m=59 s=32
